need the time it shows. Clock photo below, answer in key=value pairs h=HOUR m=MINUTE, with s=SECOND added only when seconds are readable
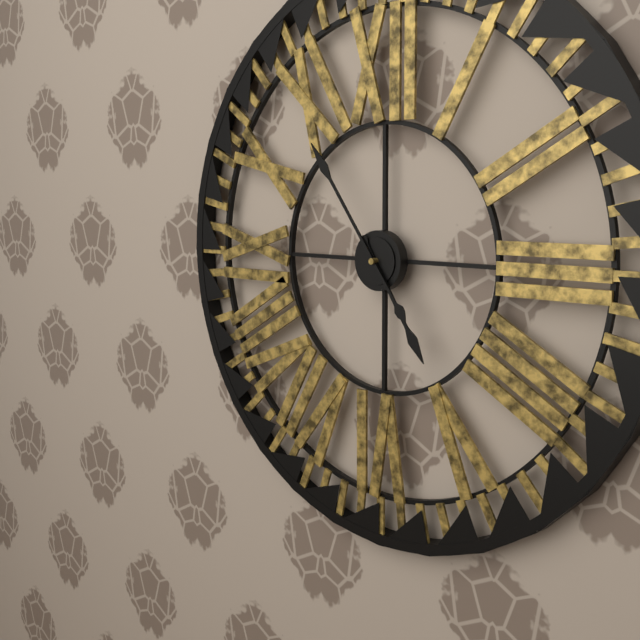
h=4 m=54
